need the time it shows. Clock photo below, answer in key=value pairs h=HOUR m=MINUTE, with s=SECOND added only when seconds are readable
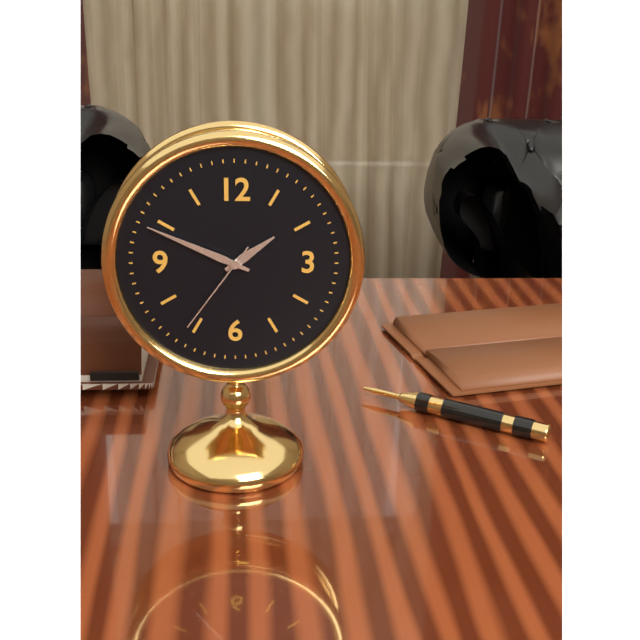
h=1 m=49 s=36
